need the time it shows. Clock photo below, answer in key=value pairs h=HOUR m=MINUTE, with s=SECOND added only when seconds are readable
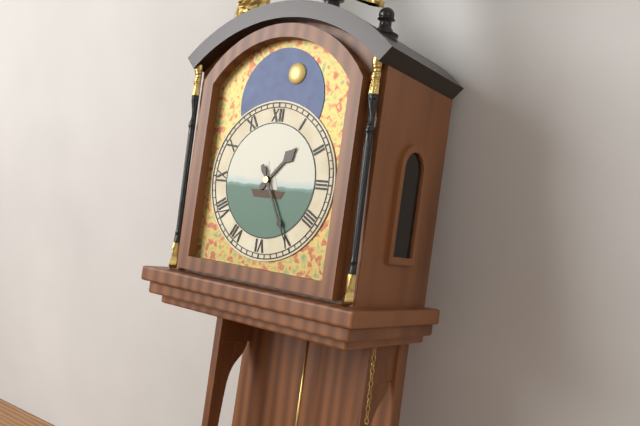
h=1 m=25
